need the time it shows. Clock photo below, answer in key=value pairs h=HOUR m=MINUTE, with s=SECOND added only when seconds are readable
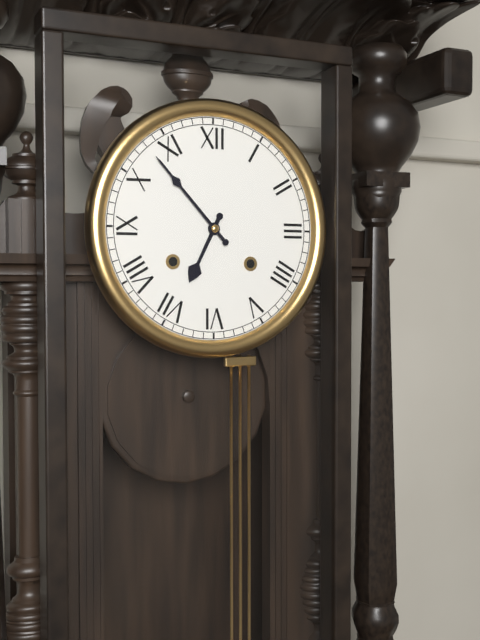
h=6 m=53
